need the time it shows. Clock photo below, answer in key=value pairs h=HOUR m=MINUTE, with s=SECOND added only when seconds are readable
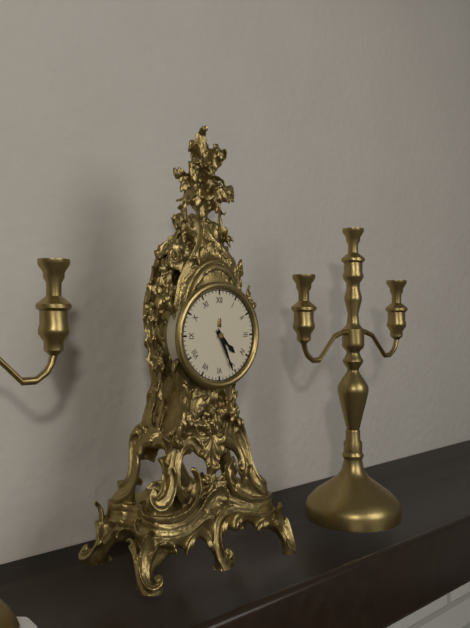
h=4 m=26
